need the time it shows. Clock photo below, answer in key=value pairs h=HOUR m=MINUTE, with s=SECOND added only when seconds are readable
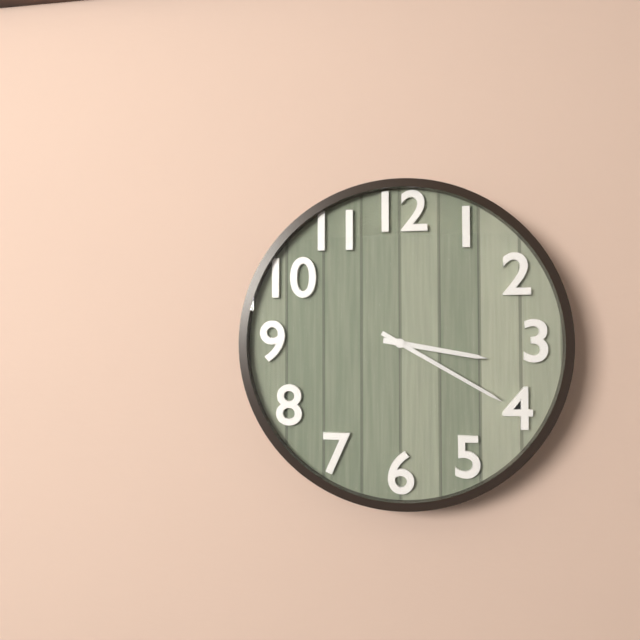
h=3 m=20
